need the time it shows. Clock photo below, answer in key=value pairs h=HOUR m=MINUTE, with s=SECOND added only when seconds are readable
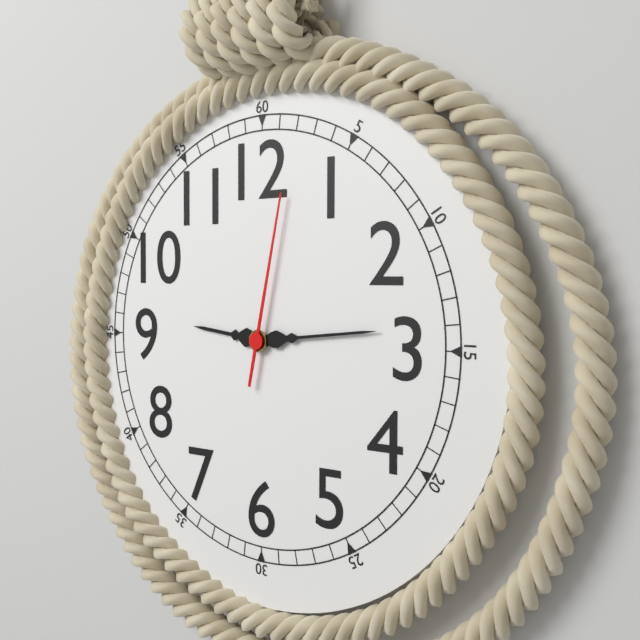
h=9 m=14 s=2
